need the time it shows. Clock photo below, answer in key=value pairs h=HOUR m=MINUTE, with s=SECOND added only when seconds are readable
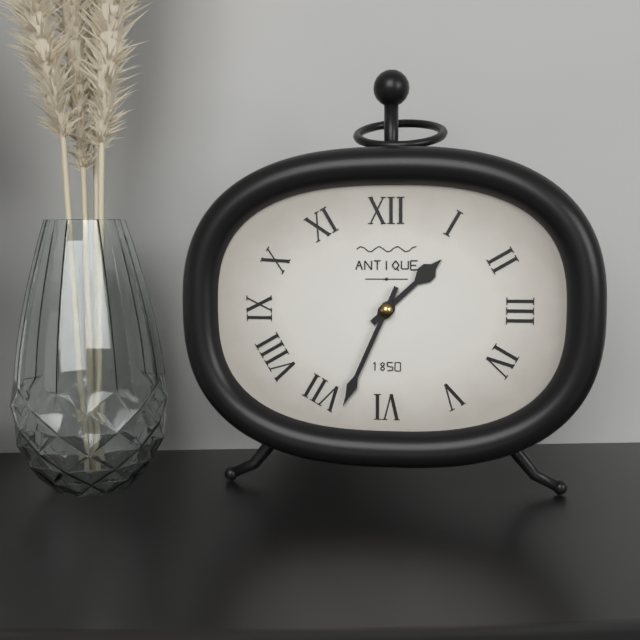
h=1 m=34
